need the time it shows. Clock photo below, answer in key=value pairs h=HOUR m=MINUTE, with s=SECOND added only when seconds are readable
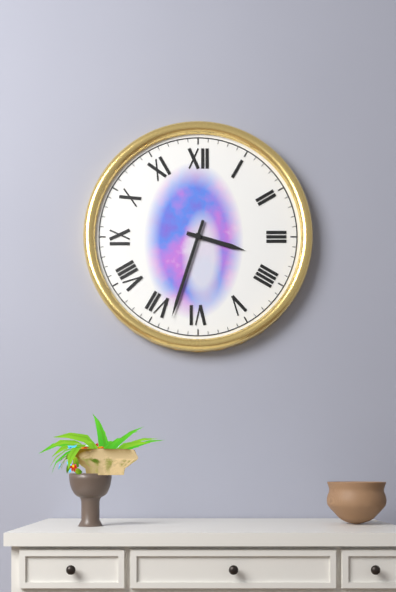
h=3 m=33
